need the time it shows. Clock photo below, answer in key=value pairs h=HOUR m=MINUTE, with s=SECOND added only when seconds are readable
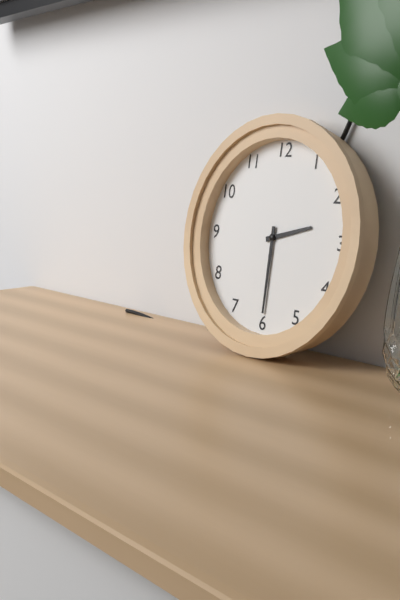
h=2 m=30
